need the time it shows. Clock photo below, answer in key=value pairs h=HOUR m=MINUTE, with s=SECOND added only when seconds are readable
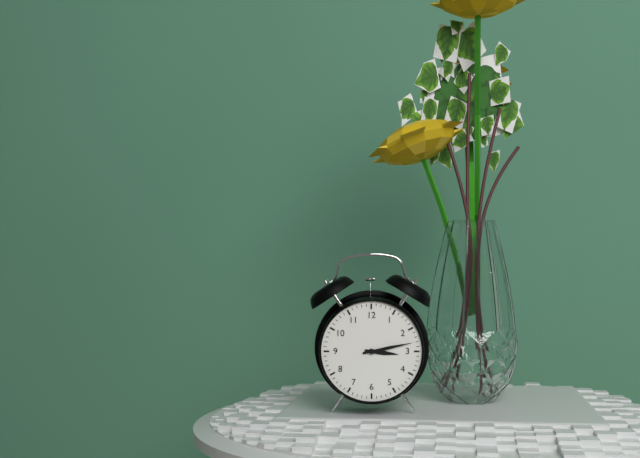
h=3 m=13
